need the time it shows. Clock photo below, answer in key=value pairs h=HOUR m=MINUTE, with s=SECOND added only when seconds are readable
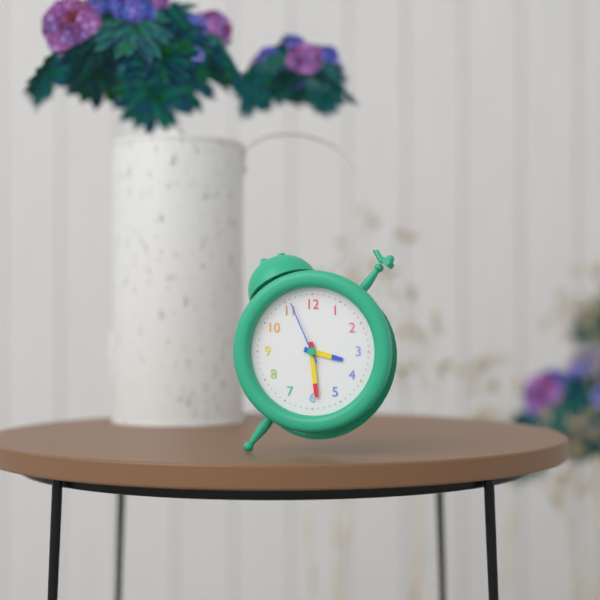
h=3 m=29 s=56
